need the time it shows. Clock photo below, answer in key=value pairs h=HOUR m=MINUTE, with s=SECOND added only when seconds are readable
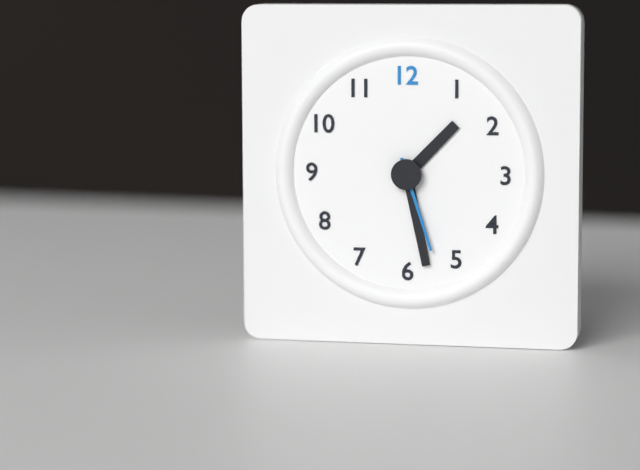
h=1 m=28 s=27
